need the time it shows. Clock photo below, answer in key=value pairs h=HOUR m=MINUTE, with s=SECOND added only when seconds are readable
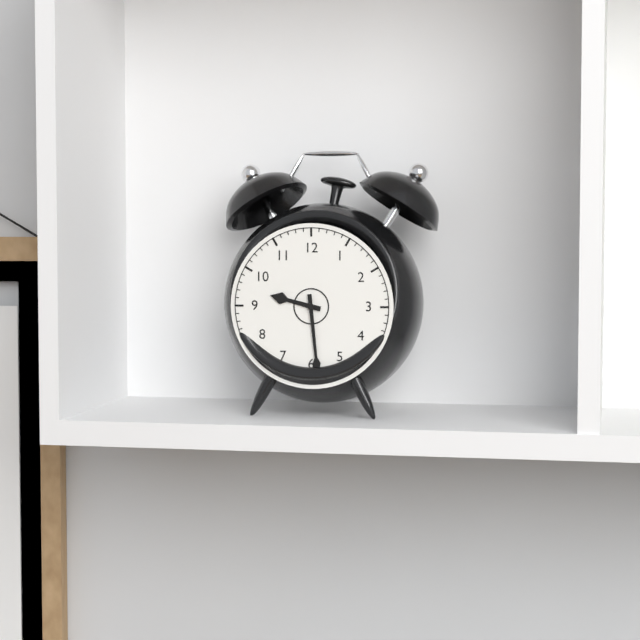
h=9 m=29
